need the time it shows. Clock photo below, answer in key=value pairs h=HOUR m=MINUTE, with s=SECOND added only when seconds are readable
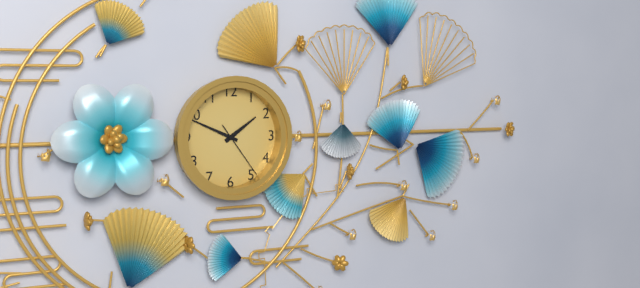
h=1 m=49 s=24
